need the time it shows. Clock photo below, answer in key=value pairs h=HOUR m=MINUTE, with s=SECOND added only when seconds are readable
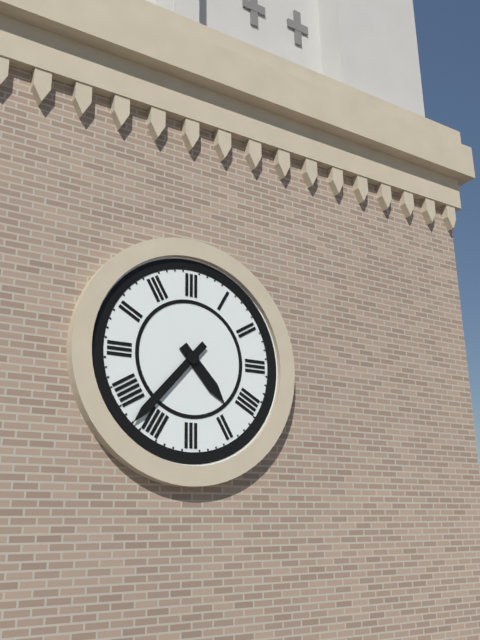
h=4 m=37
